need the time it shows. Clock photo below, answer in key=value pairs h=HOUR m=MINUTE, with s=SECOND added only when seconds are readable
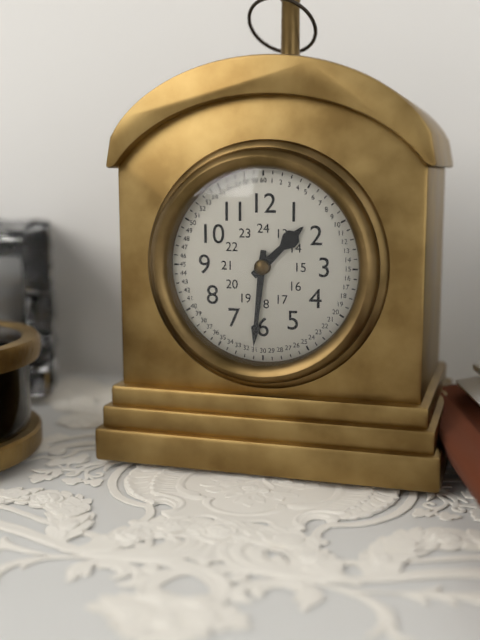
h=1 m=31
